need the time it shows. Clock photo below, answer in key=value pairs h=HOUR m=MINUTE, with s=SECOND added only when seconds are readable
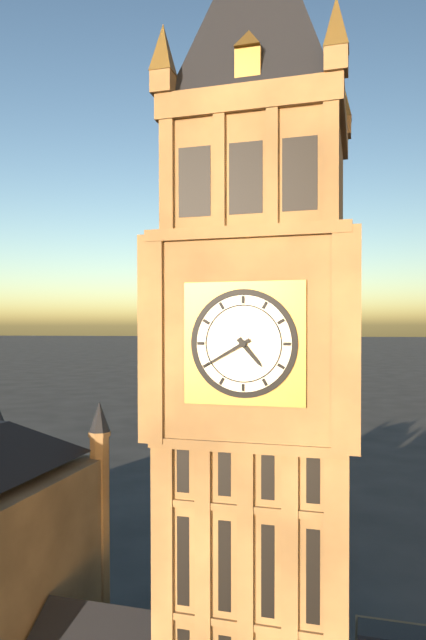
h=4 m=40
